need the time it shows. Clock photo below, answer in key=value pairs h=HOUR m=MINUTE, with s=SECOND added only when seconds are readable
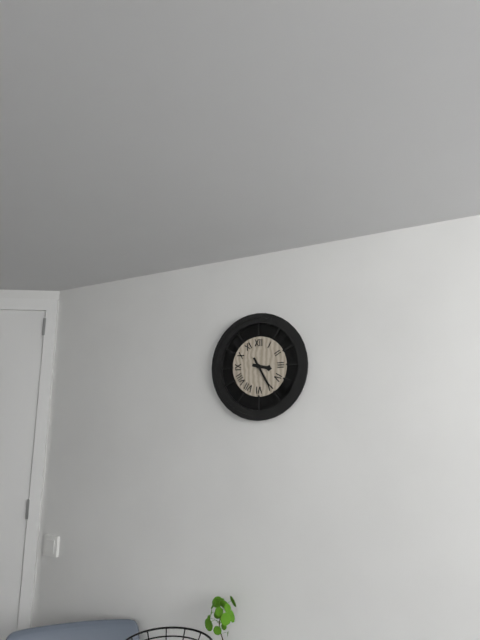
h=3 m=25
